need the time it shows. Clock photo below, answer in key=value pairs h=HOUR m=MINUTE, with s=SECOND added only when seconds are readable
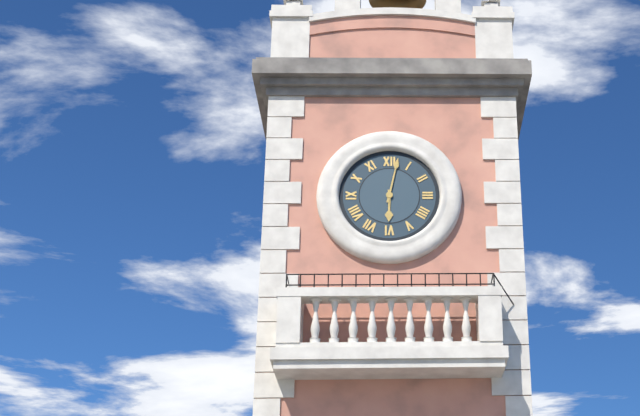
h=6 m=2
